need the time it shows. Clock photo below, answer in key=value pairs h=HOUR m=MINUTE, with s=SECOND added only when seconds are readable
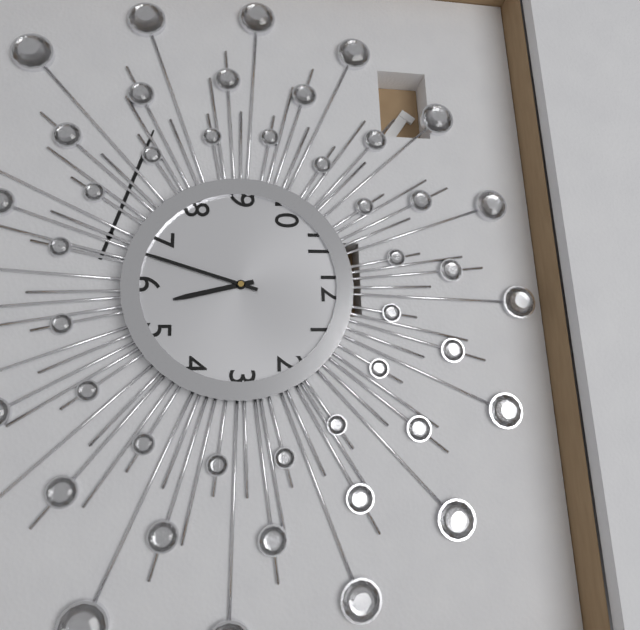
h=5 m=33
